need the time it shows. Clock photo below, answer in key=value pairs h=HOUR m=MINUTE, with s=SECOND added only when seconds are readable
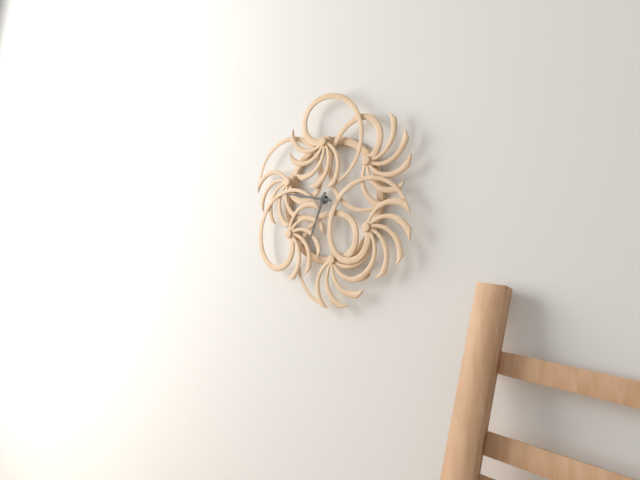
h=6 m=47
